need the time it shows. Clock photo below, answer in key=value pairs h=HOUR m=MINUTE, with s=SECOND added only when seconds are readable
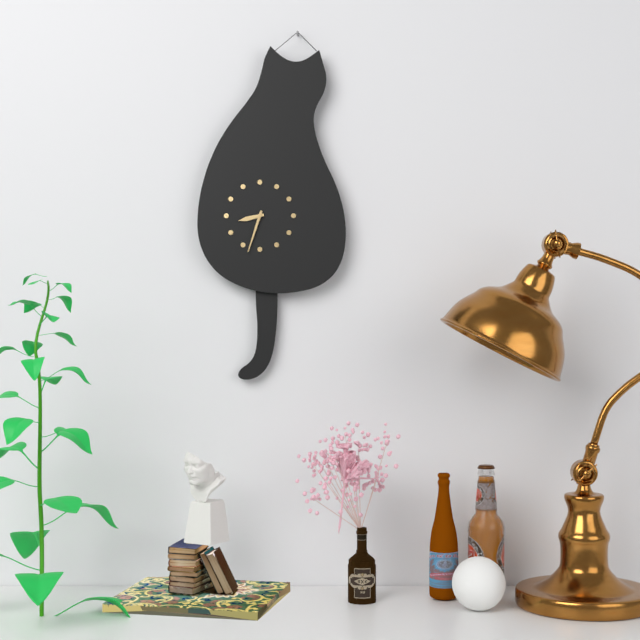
h=8 m=33
